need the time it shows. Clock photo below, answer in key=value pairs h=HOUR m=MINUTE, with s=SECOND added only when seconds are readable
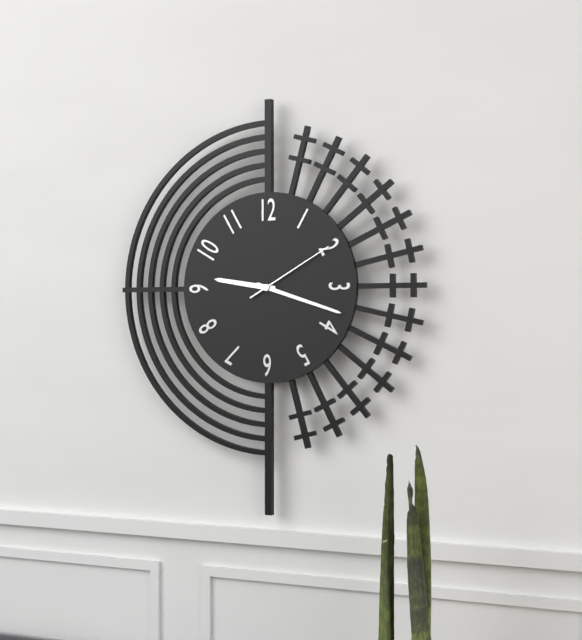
h=9 m=18 s=10
